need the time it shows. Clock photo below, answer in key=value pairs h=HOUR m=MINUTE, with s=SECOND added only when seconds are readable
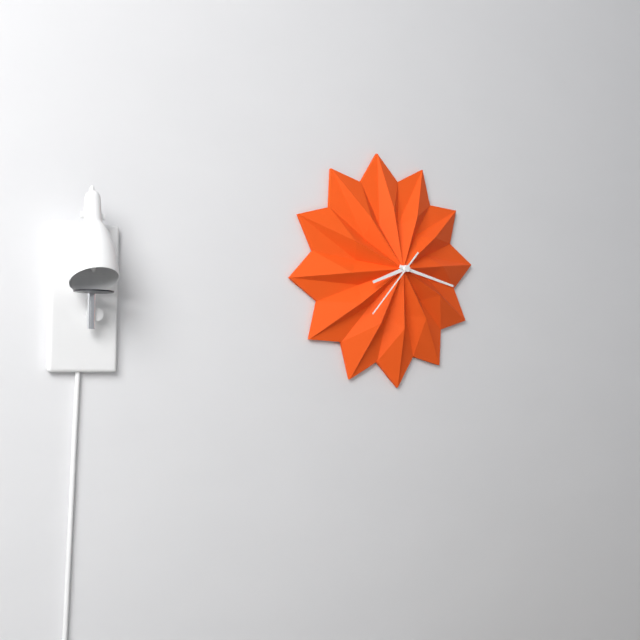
h=8 m=17 s=37
